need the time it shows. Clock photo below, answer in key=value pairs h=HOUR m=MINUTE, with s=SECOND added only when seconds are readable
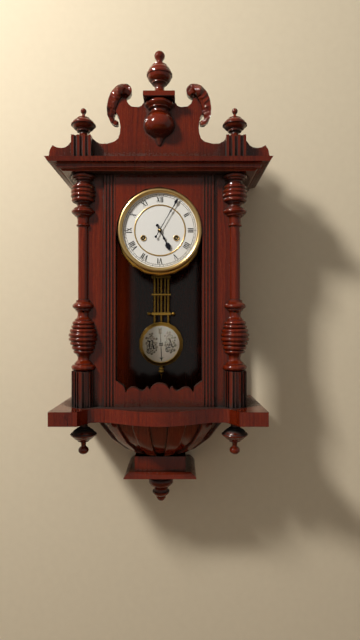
h=5 m=5
